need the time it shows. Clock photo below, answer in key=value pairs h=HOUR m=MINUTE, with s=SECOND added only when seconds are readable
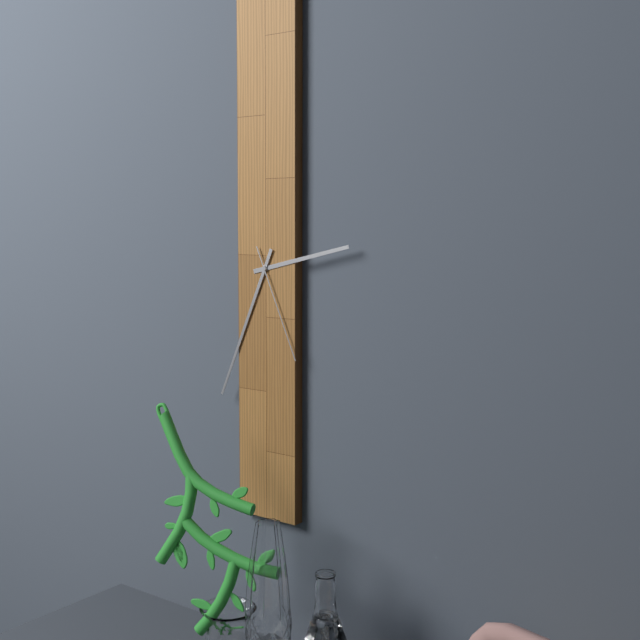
h=2 m=34 s=26
